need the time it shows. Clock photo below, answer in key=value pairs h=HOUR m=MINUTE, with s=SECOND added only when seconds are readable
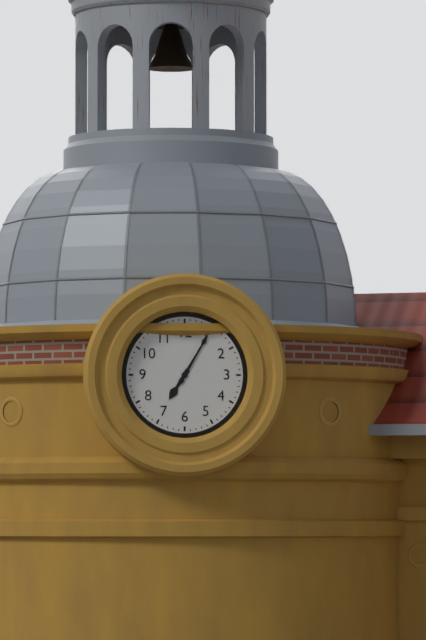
h=7 m=5
